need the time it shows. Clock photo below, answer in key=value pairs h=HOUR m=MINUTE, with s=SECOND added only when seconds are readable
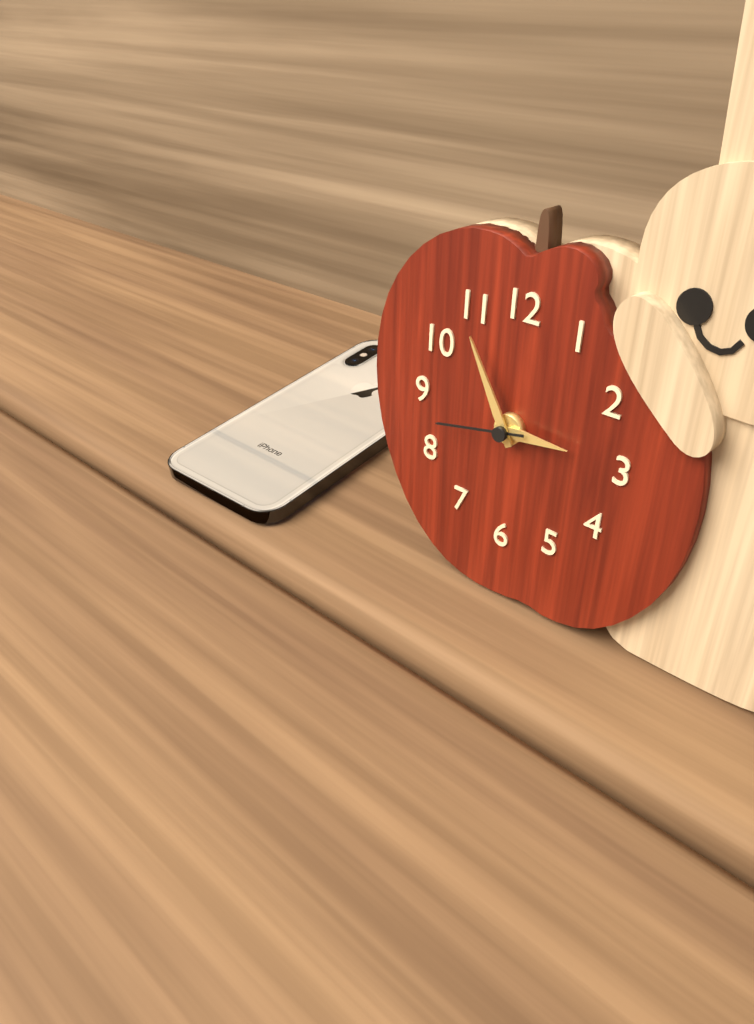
h=2 m=55 s=43
